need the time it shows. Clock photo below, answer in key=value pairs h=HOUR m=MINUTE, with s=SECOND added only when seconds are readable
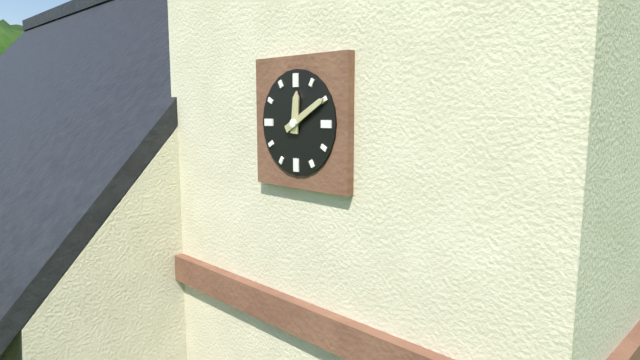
h=12 m=10
